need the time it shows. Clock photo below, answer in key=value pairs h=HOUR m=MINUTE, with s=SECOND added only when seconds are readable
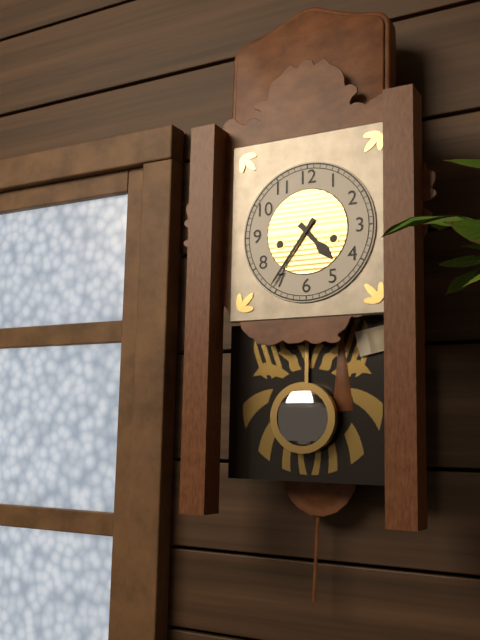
h=4 m=36
